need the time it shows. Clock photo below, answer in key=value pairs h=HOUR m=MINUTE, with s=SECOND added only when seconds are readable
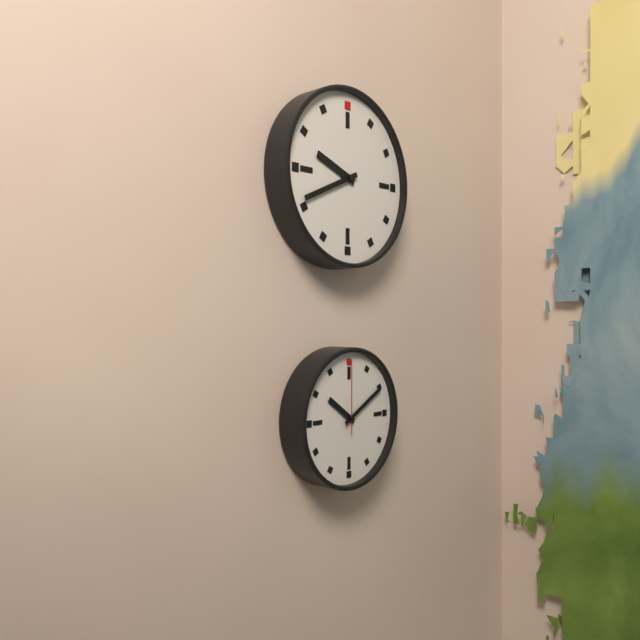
h=9 m=41
